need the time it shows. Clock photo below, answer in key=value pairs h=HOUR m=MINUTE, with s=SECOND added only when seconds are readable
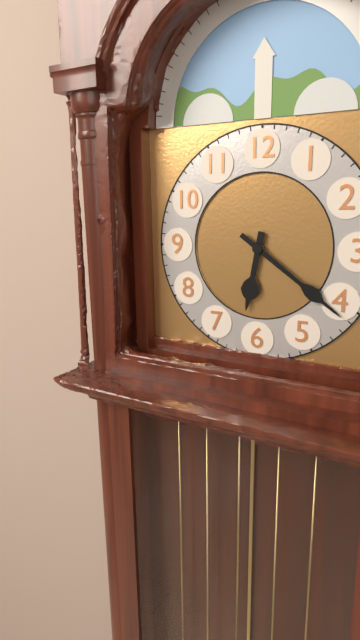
h=6 m=21
